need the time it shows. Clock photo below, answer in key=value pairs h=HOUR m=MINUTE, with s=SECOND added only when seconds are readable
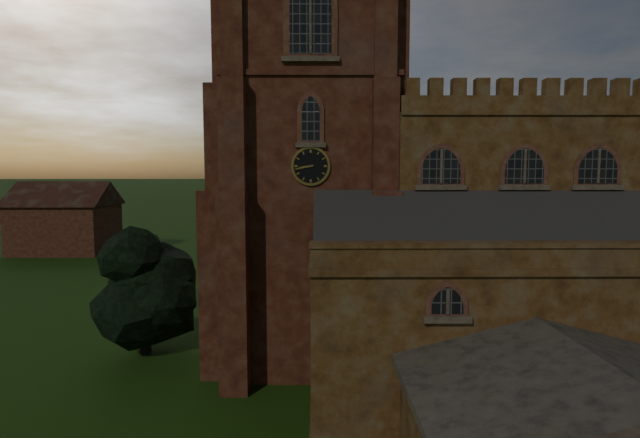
h=8 m=43
